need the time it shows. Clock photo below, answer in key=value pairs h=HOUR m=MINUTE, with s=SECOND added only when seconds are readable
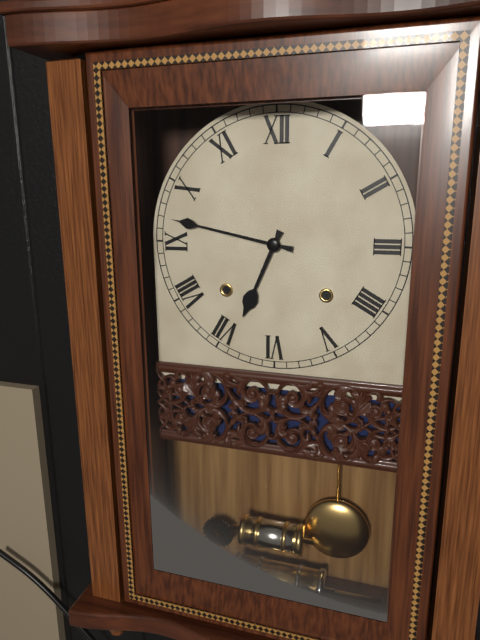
h=6 m=47
